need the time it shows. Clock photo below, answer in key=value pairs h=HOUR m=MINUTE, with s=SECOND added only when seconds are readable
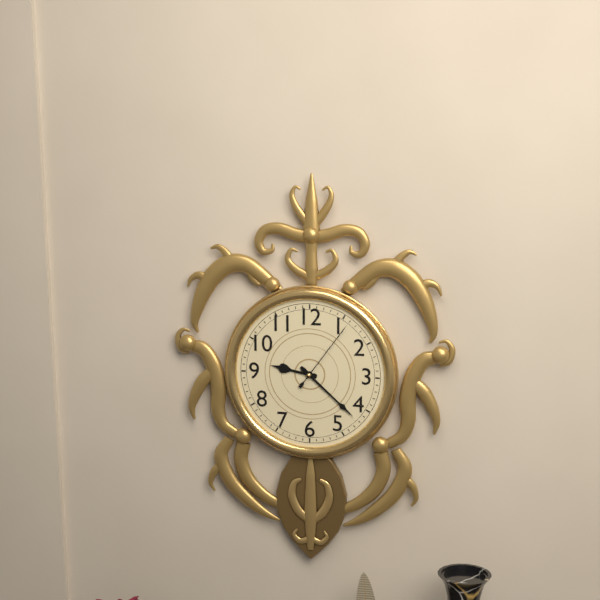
h=9 m=22 s=6
